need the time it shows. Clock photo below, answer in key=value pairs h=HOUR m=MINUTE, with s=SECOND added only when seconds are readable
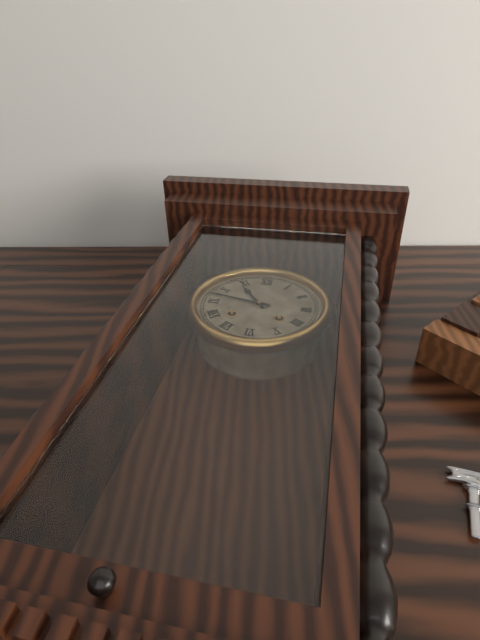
h=10 m=47
